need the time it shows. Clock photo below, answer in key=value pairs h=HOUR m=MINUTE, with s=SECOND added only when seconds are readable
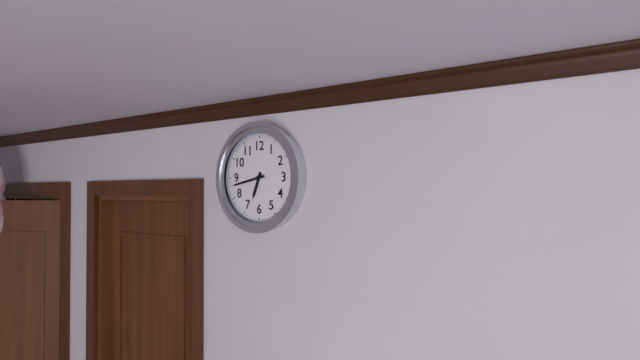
h=6 m=43
